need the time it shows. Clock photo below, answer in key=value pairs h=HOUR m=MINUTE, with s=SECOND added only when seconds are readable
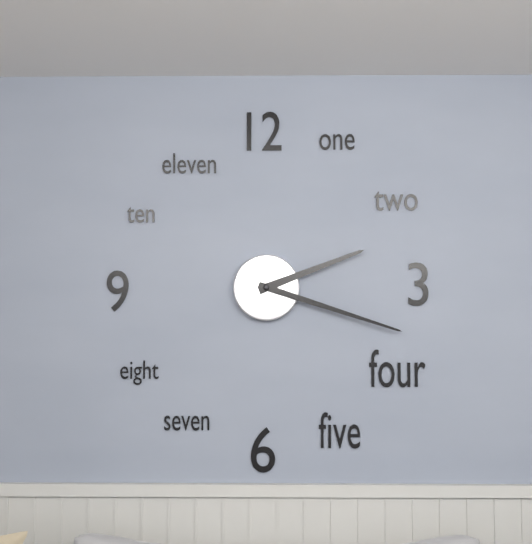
h=2 m=18
